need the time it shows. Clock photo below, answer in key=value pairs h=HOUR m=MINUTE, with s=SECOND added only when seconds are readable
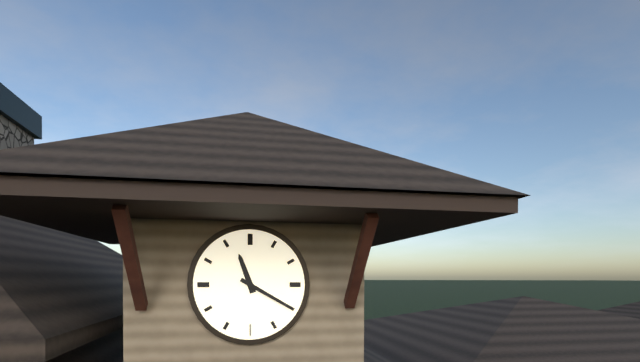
h=11 m=20
